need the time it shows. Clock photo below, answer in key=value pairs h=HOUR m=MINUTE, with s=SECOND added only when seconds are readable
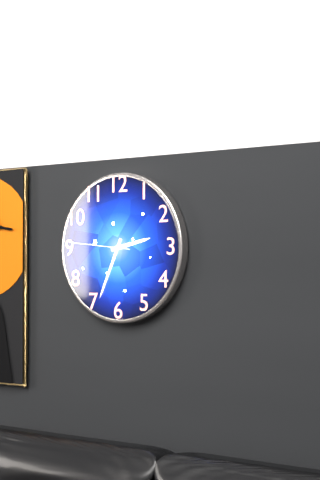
h=2 m=34 s=46
